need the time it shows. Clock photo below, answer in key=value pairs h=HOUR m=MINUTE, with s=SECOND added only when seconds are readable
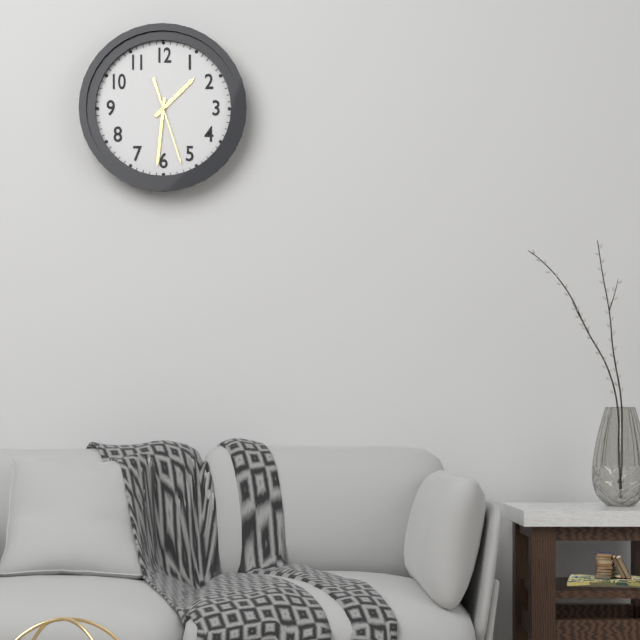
h=1 m=31 s=27
